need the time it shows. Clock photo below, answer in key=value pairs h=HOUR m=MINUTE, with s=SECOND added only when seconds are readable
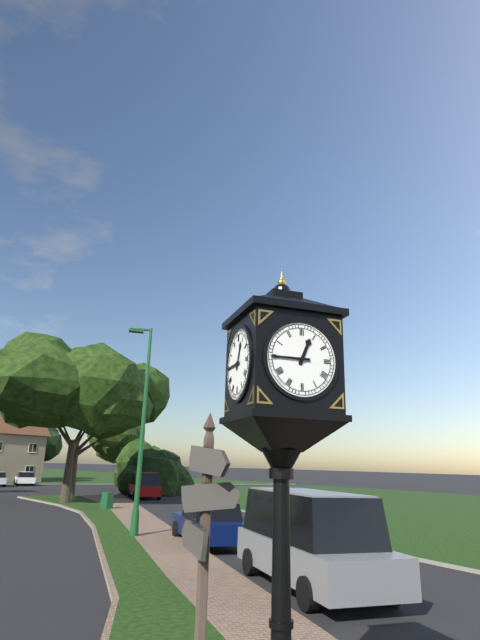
h=12 m=45
